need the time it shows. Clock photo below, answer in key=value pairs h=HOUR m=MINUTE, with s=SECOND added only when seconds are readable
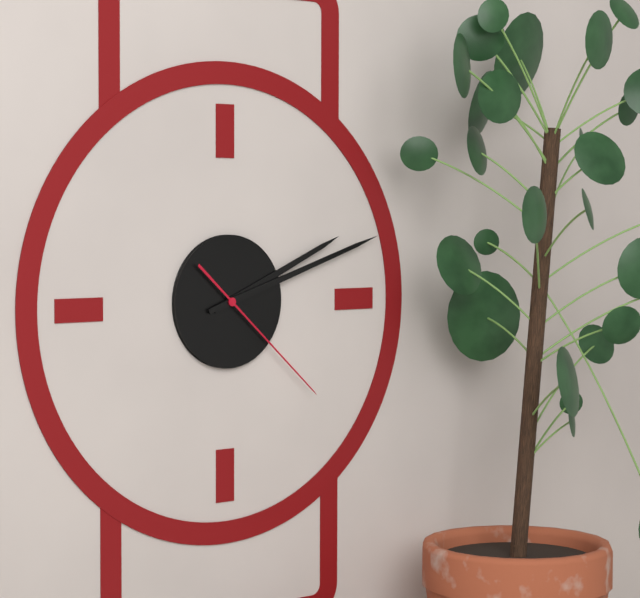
h=2 m=12 s=22
